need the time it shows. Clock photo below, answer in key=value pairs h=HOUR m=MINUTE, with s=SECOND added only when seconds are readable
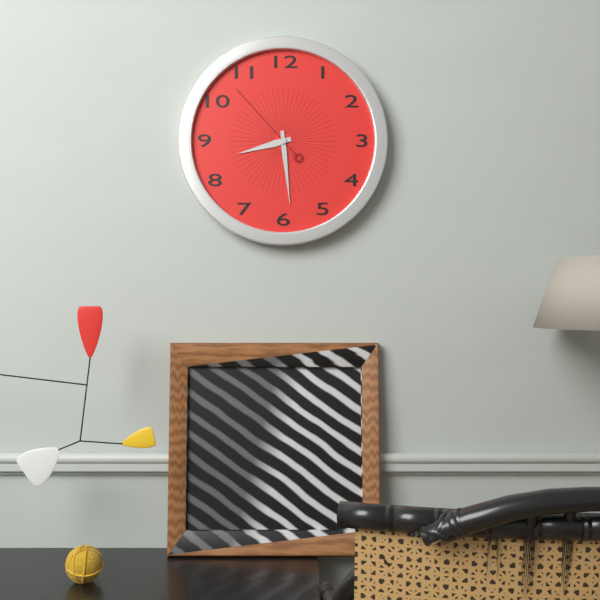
h=8 m=29 s=53
